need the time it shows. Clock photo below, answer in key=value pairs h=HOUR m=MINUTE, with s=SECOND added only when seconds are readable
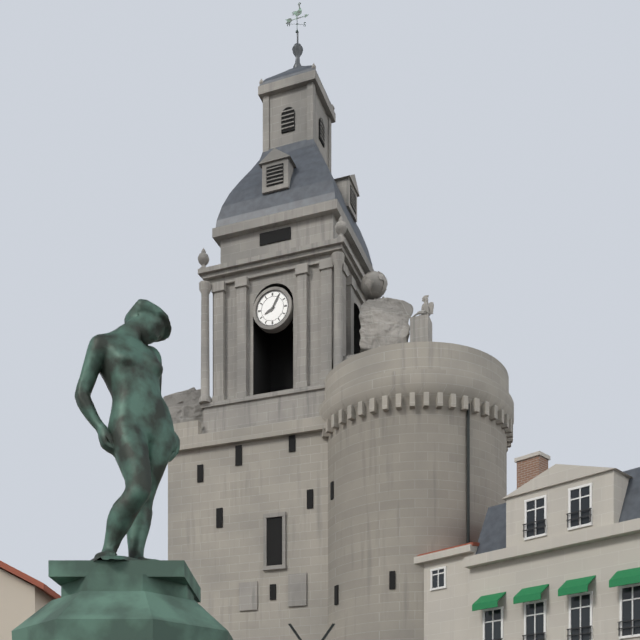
h=8 m=5
